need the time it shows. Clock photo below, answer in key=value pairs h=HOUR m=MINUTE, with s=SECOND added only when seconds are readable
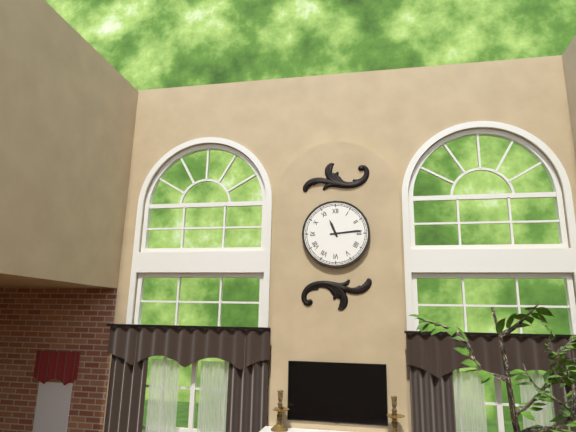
h=11 m=14
